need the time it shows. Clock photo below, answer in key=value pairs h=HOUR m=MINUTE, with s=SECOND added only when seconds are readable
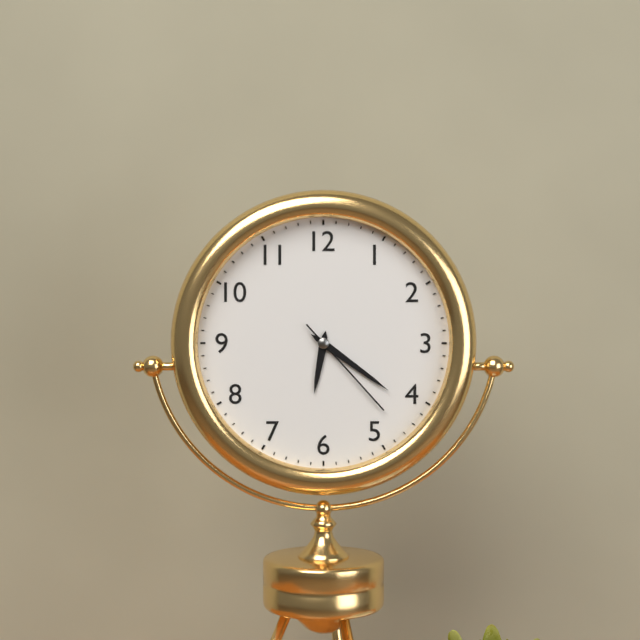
h=6 m=21 s=23
